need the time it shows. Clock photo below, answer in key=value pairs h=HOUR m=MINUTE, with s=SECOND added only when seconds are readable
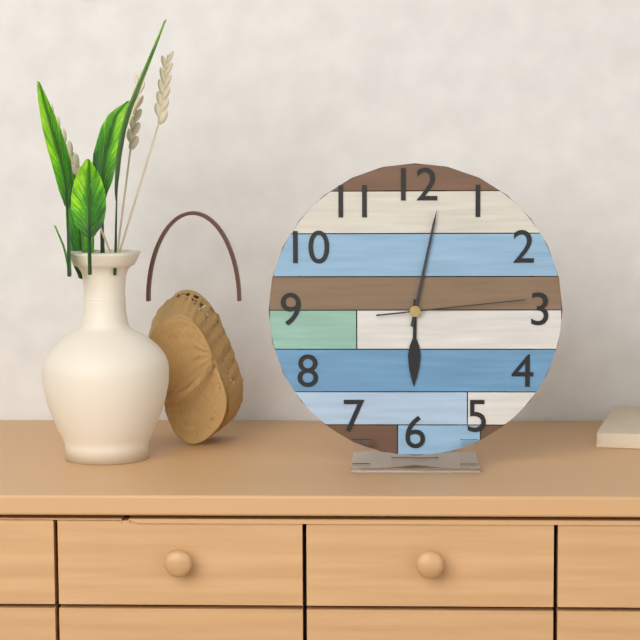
h=6 m=2 s=14
